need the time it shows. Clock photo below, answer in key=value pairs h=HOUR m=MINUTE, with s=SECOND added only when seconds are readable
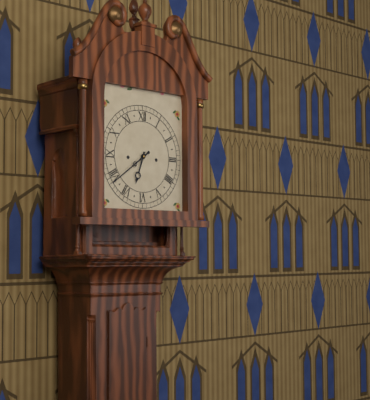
h=6 m=39
